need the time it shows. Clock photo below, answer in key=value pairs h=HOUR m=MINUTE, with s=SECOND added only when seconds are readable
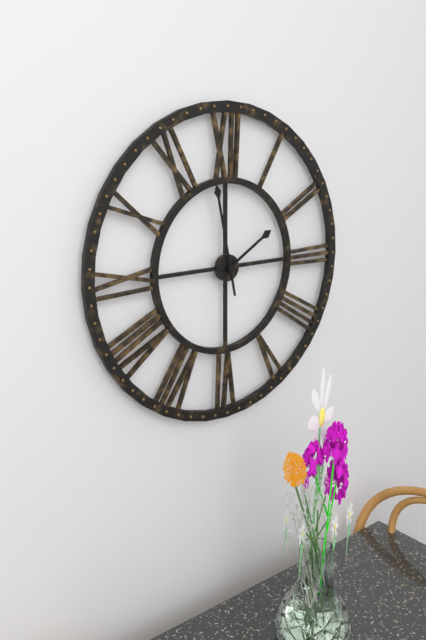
h=1 m=58
